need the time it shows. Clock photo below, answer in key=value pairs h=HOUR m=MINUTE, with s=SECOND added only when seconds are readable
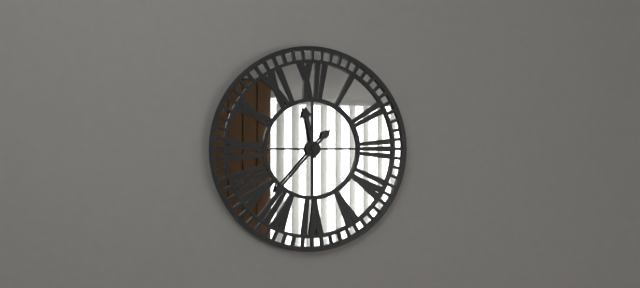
h=11 m=37
